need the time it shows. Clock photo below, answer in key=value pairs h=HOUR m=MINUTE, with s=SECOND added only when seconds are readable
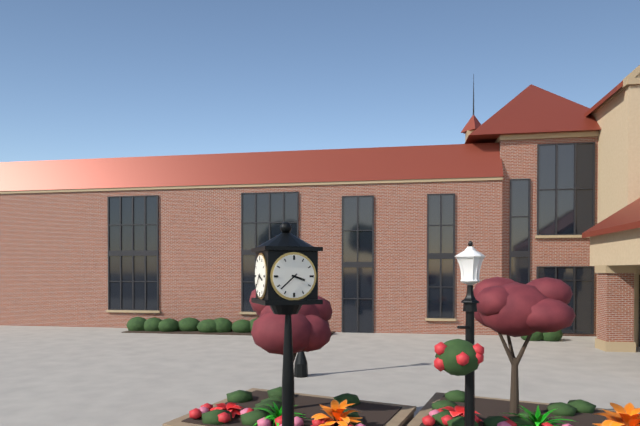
h=3 m=38
